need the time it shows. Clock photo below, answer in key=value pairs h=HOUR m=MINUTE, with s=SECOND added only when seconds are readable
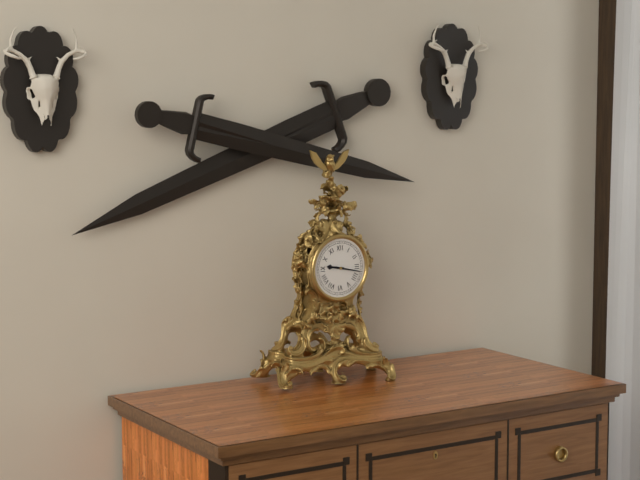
h=9 m=17
